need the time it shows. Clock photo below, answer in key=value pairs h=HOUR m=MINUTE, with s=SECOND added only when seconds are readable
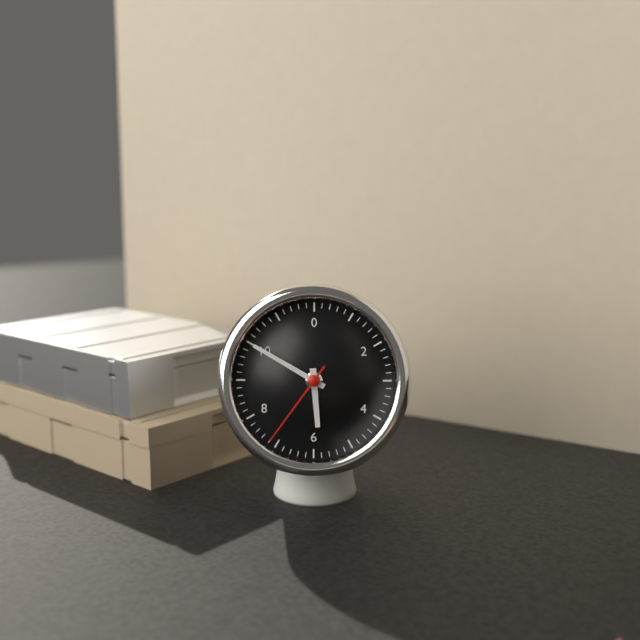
h=5 m=50 s=36
